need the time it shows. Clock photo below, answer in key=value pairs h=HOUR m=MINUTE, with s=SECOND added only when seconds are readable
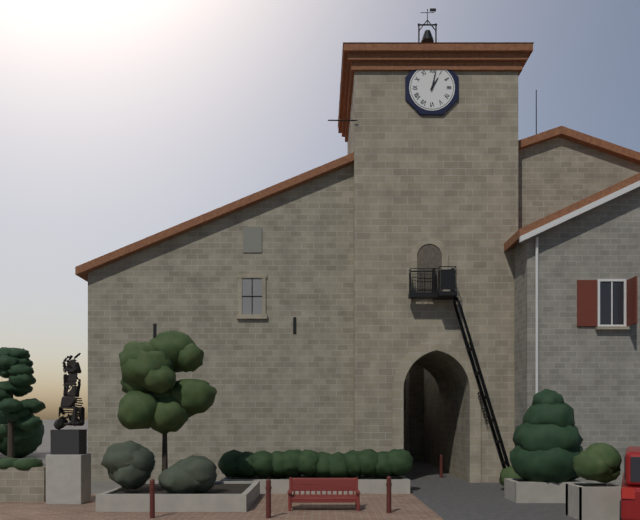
h=1 m=2
